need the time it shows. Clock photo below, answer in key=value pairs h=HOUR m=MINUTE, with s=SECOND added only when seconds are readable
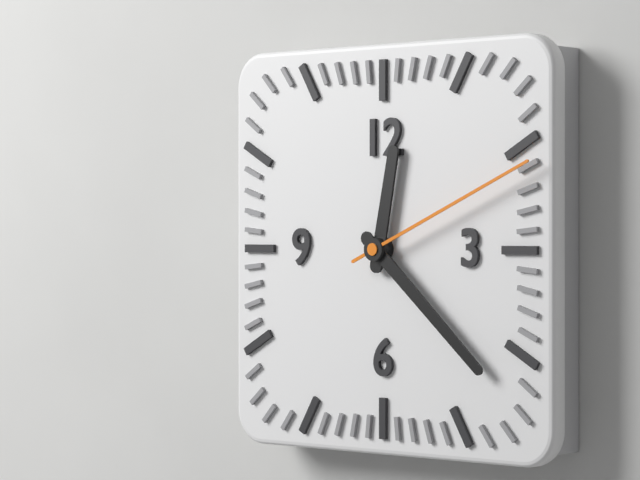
h=12 m=22 s=11
